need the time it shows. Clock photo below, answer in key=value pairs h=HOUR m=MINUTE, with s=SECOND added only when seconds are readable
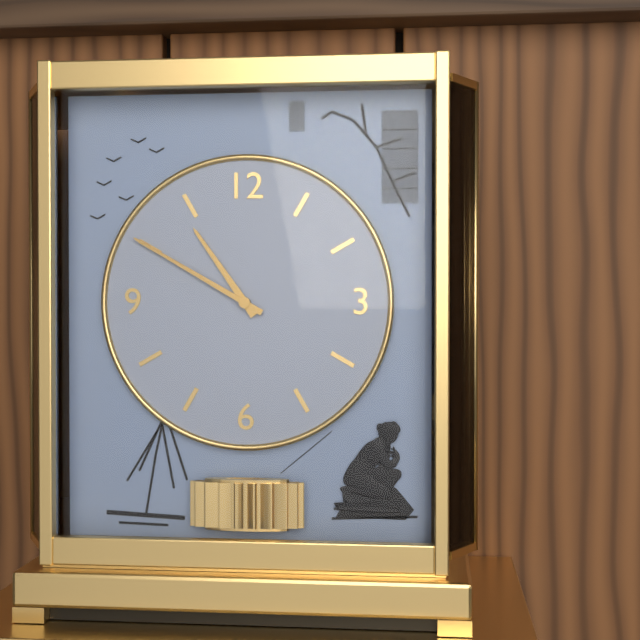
h=10 m=50
